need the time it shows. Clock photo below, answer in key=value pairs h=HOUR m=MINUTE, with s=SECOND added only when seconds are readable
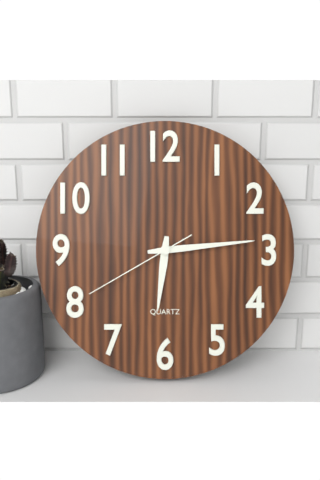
h=6 m=14 s=40
